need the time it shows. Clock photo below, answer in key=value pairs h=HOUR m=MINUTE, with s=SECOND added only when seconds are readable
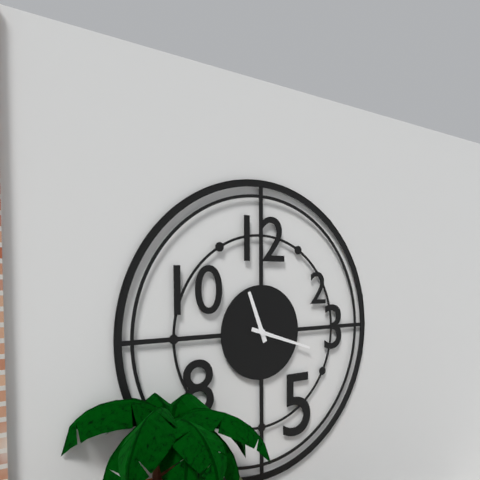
h=11 m=18
